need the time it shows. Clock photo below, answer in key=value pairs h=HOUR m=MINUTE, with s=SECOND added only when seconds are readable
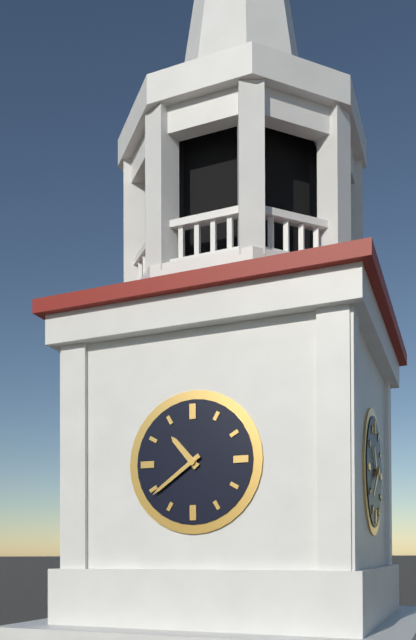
h=10 m=39
